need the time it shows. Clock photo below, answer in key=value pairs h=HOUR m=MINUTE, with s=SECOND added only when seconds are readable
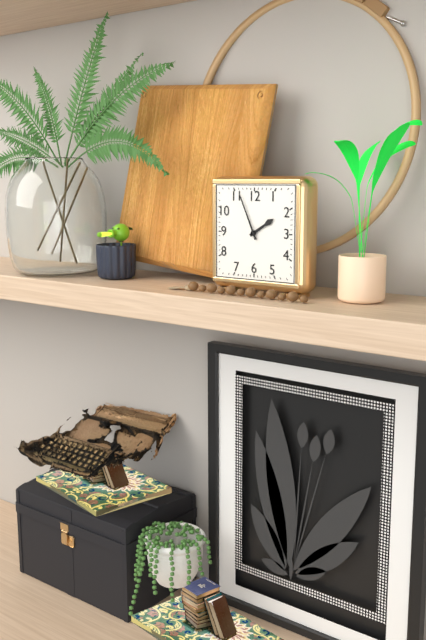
h=1 m=56
